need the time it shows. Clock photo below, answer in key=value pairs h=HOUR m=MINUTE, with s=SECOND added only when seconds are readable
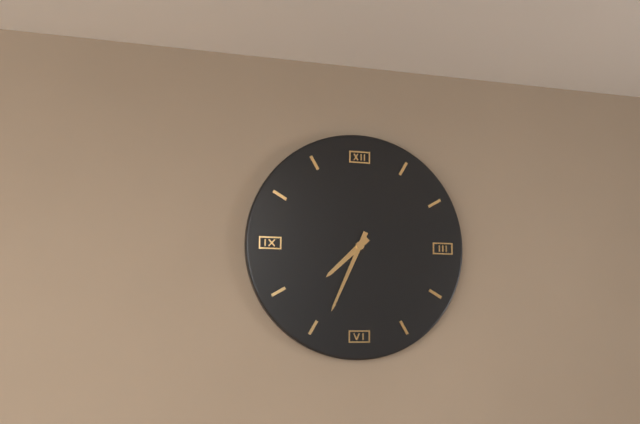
h=7 m=34
